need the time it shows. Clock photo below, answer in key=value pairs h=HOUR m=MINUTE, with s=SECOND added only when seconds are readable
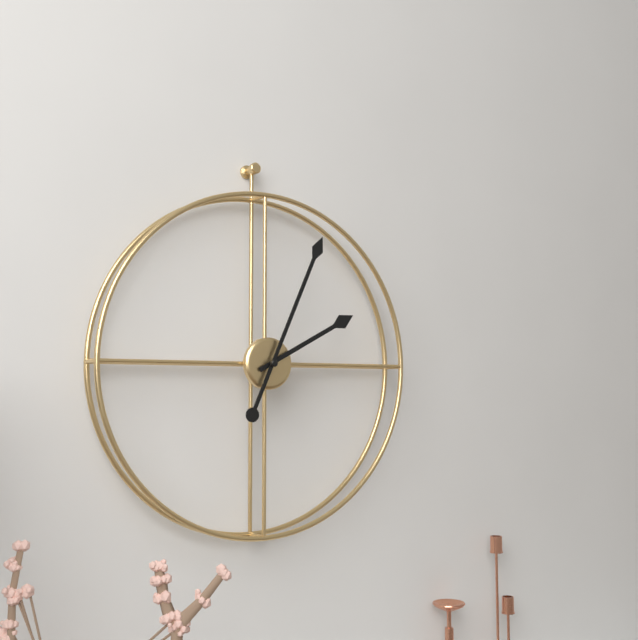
h=2 m=4
